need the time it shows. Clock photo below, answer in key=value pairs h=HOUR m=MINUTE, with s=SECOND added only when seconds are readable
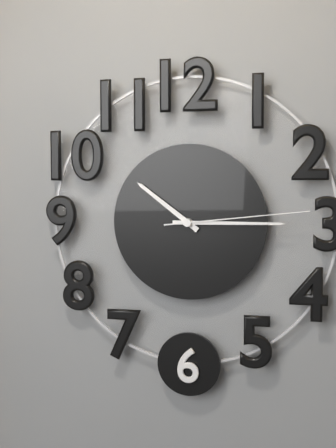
h=10 m=15 s=14
